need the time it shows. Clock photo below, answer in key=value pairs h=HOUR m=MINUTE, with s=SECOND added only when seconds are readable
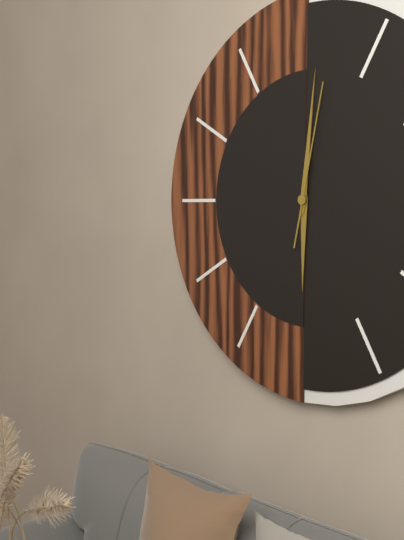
h=6 m=1 s=2
